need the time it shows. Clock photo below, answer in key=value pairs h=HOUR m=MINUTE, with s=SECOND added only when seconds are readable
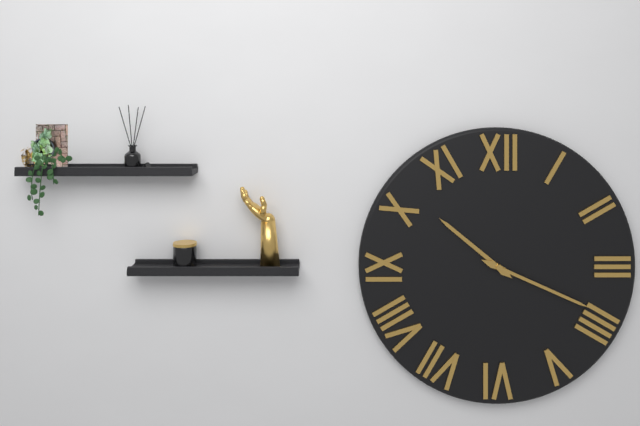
h=10 m=19
